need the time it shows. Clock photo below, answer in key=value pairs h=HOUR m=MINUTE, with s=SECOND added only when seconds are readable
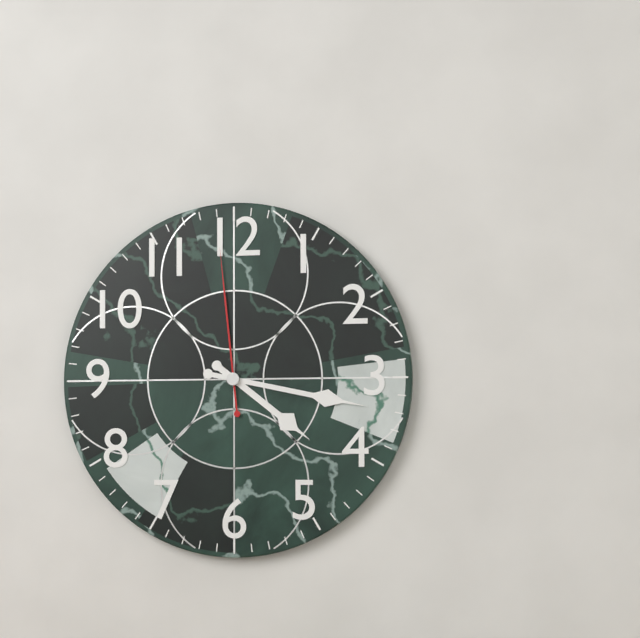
h=4 m=17 s=59
